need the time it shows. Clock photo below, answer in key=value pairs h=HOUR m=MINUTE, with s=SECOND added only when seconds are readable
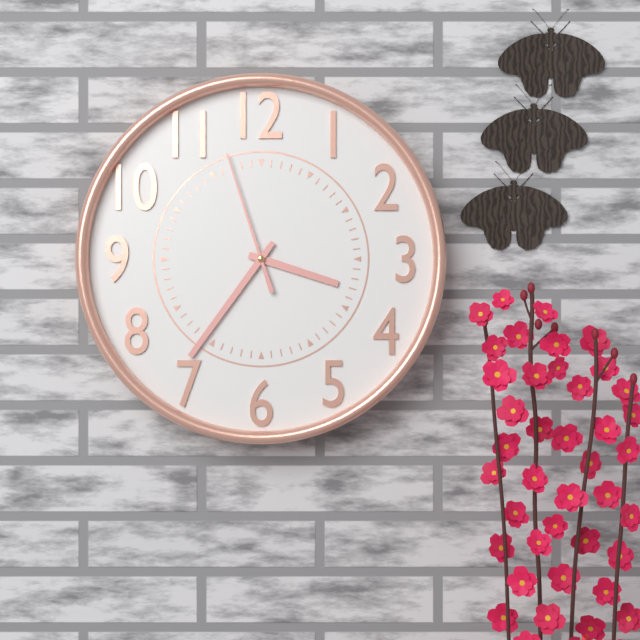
h=3 m=36 s=57
